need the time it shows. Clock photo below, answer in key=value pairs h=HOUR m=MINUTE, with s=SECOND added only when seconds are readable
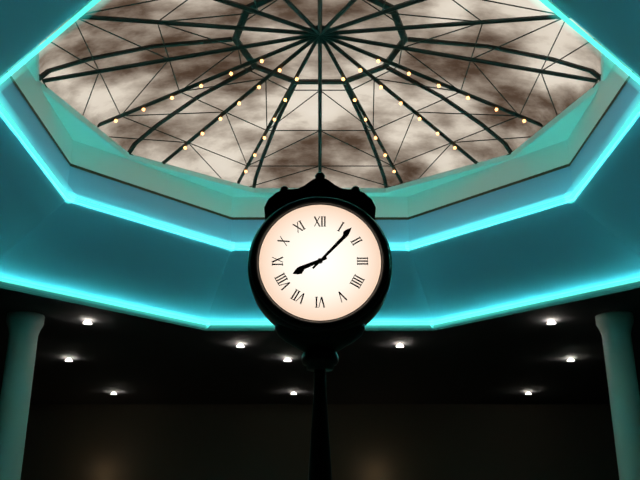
h=8 m=7
